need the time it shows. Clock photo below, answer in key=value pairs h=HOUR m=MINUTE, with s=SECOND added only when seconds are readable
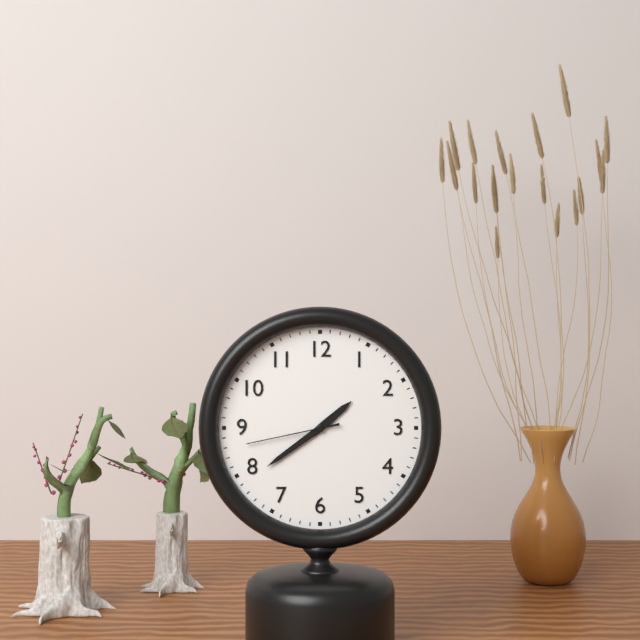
h=1 m=39 s=43
